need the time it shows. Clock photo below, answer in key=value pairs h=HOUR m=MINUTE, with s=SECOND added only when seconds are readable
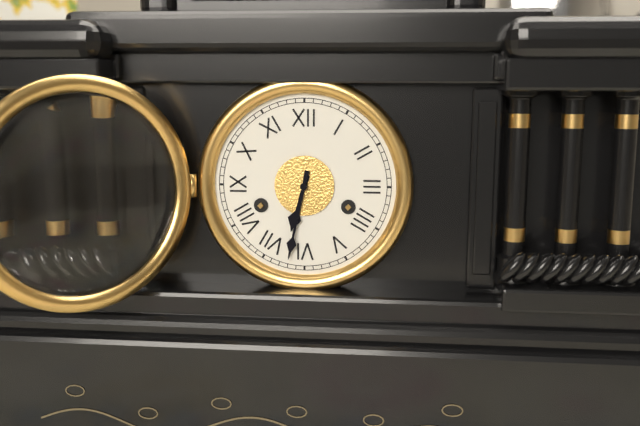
h=6 m=32
